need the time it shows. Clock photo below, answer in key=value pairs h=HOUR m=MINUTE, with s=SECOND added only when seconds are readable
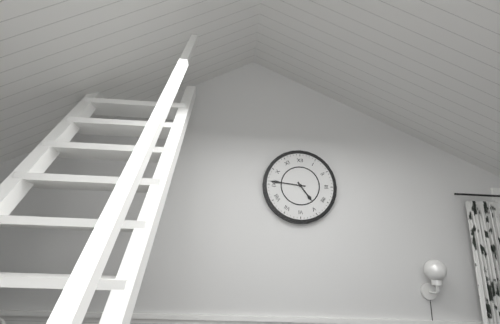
h=4 m=46
